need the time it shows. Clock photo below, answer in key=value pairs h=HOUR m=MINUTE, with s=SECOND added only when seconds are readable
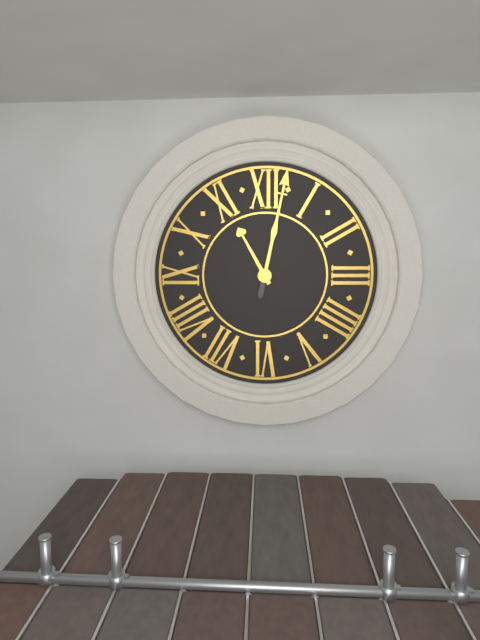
h=11 m=2
